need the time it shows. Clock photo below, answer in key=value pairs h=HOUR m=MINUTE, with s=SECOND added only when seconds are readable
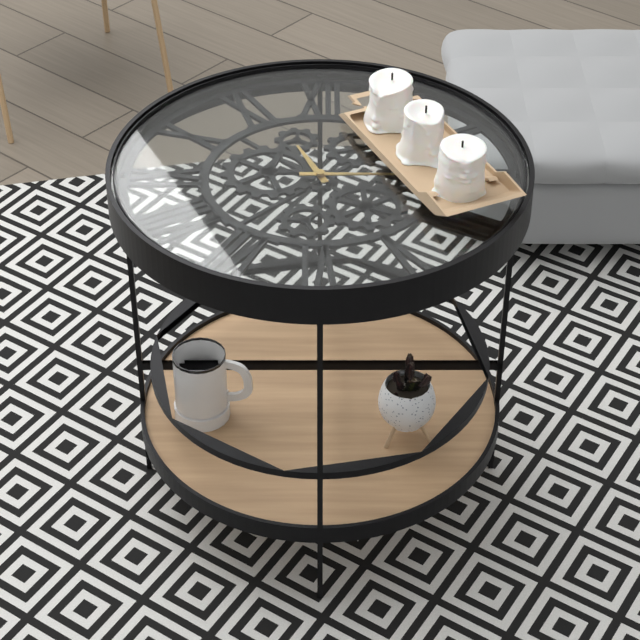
h=11 m=15
